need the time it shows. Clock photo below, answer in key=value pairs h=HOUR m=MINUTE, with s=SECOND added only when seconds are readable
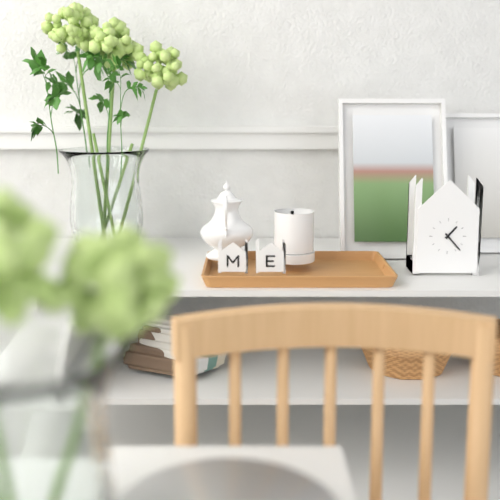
h=1 m=23
